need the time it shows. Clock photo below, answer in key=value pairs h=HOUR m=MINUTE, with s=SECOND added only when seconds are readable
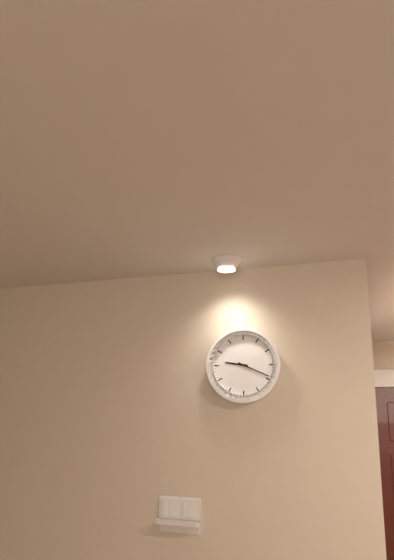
h=9 m=19
